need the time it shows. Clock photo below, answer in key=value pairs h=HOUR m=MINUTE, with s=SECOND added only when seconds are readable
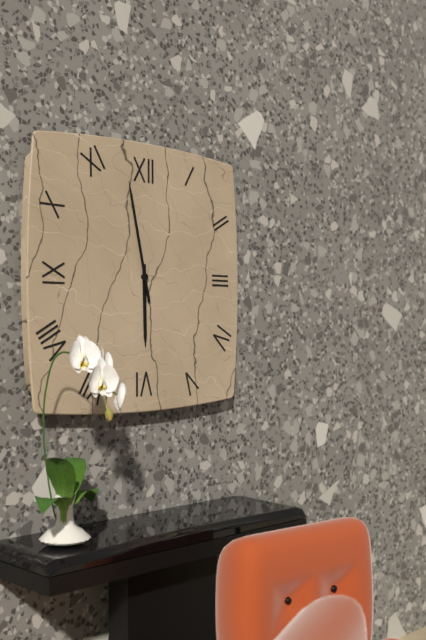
h=5 m=58
